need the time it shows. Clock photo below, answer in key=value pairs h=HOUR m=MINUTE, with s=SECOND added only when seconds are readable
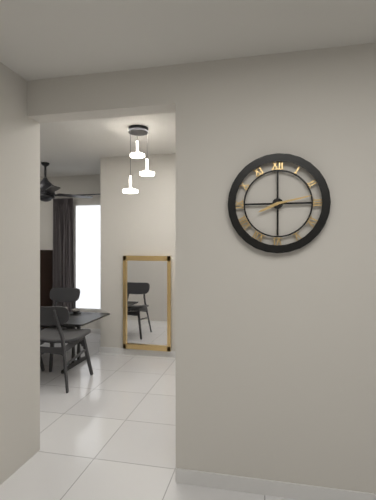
h=8 m=13
